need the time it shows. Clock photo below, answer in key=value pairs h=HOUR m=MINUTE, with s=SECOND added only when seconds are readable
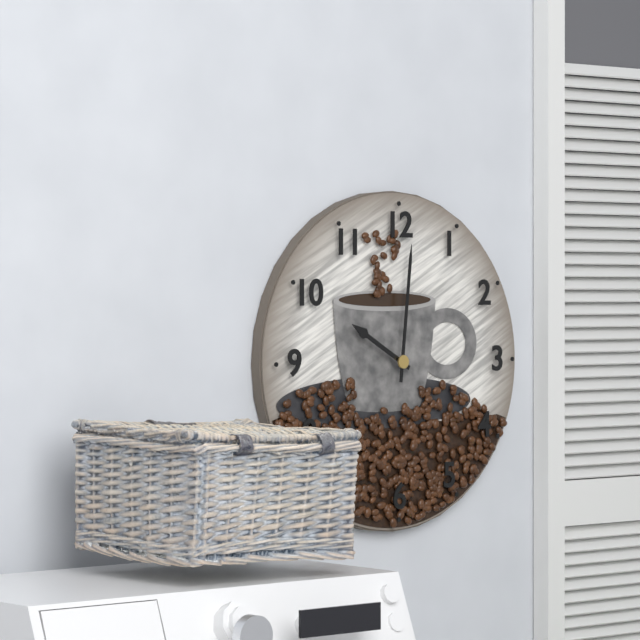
h=10 m=1
